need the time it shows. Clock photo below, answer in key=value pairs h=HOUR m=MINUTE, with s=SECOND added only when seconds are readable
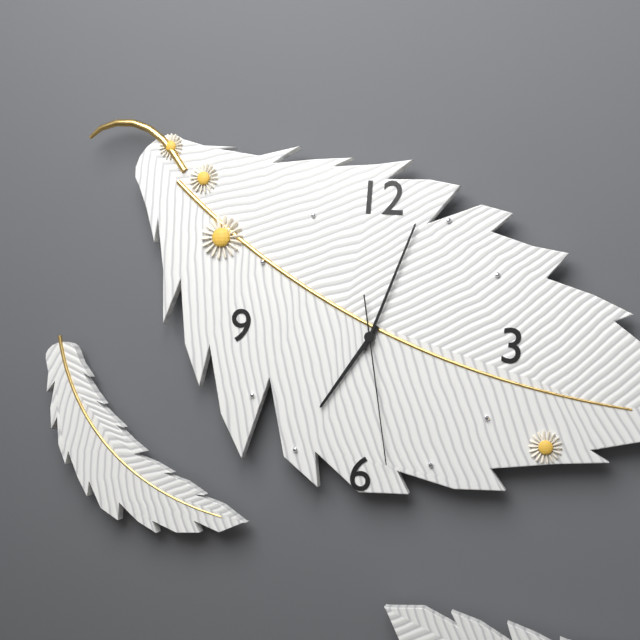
h=7 m=3 s=28
